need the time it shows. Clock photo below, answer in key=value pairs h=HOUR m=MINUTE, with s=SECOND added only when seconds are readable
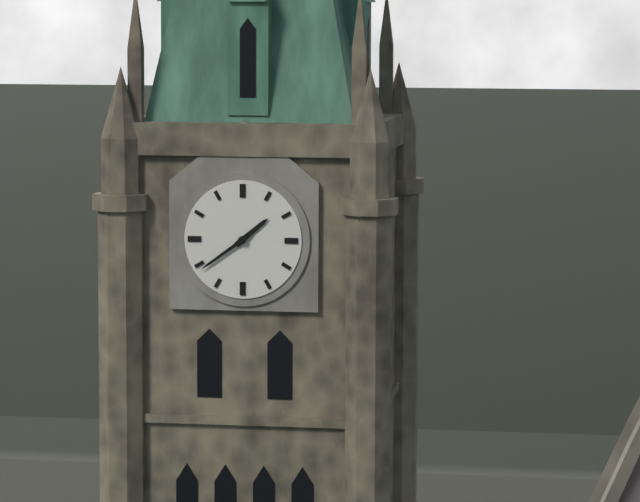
h=1 m=39
